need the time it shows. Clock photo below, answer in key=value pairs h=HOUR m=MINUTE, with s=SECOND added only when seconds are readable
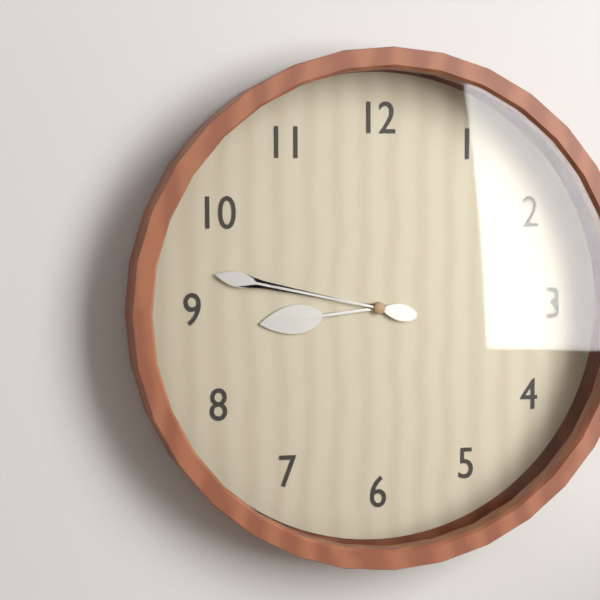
h=8 m=47
